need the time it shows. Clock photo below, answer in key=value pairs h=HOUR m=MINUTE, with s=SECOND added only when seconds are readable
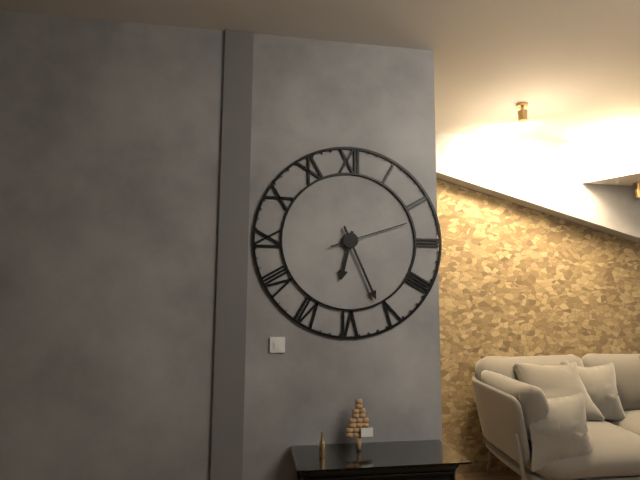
h=6 m=26 s=12
